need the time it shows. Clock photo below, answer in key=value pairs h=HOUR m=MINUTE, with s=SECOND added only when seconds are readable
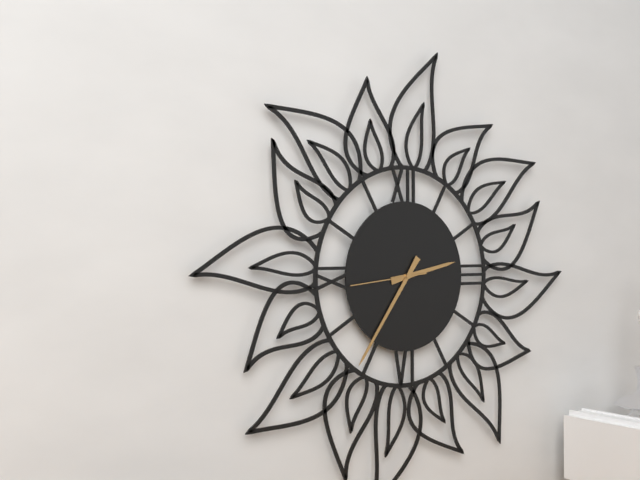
h=2 m=36 s=44
